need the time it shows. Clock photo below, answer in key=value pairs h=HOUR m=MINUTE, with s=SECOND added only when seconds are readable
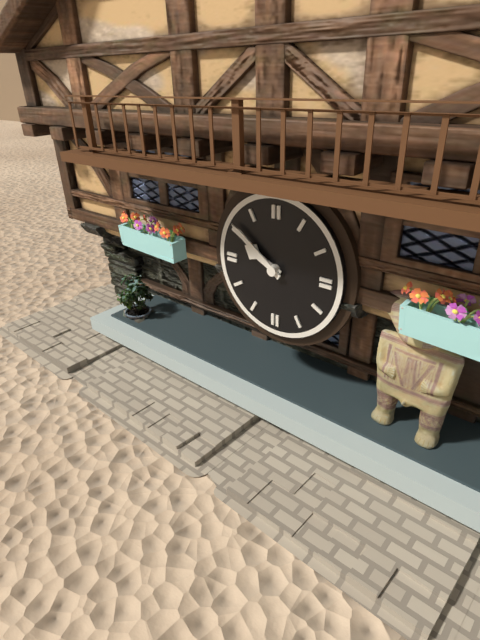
h=9 m=51
